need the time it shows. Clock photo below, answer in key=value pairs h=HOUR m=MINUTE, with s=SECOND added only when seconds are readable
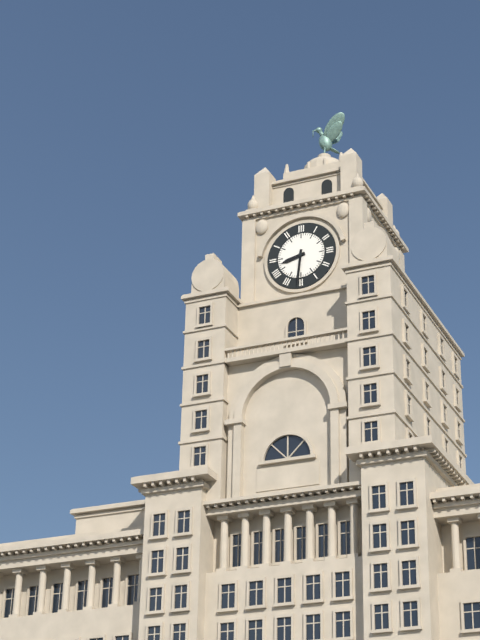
h=8 m=31
